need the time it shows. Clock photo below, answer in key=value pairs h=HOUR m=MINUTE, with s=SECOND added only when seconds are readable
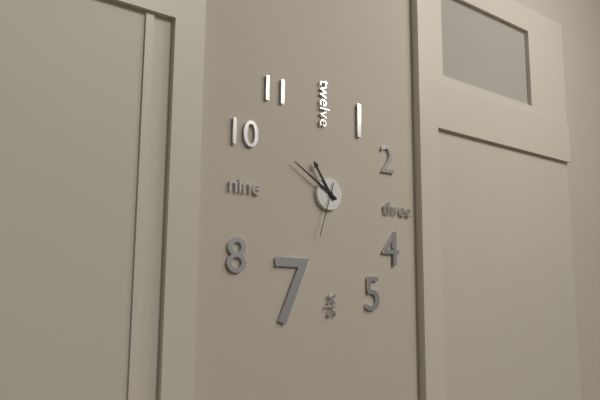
h=10 m=50 s=33
